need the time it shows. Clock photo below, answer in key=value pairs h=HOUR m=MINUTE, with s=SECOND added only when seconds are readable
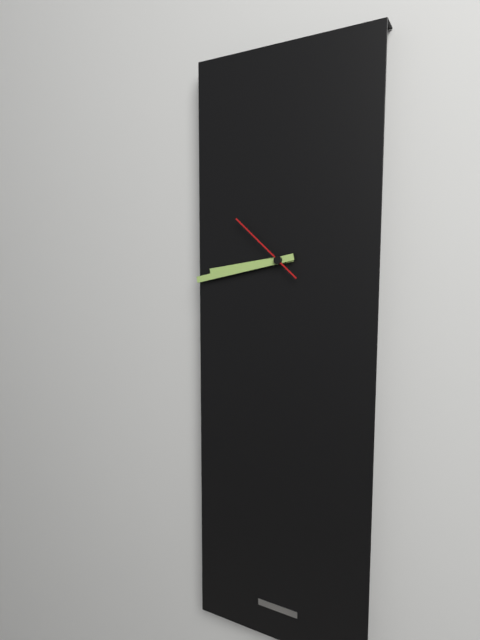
h=8 m=43 s=52
